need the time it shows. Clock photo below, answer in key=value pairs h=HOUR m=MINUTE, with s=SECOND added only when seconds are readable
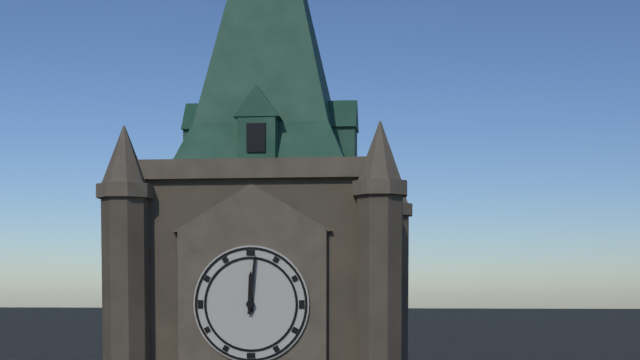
h=12 m=1
